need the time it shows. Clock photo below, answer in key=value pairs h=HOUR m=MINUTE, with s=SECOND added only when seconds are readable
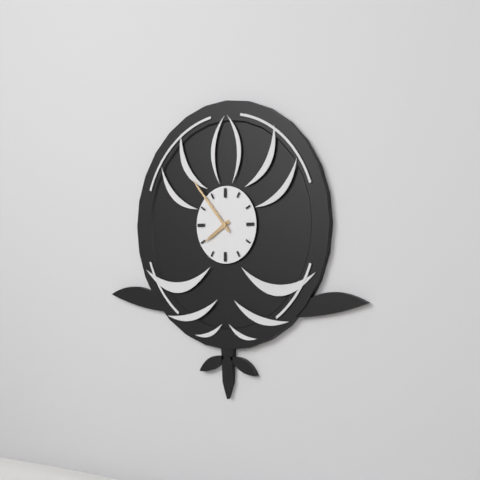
h=7 m=53
